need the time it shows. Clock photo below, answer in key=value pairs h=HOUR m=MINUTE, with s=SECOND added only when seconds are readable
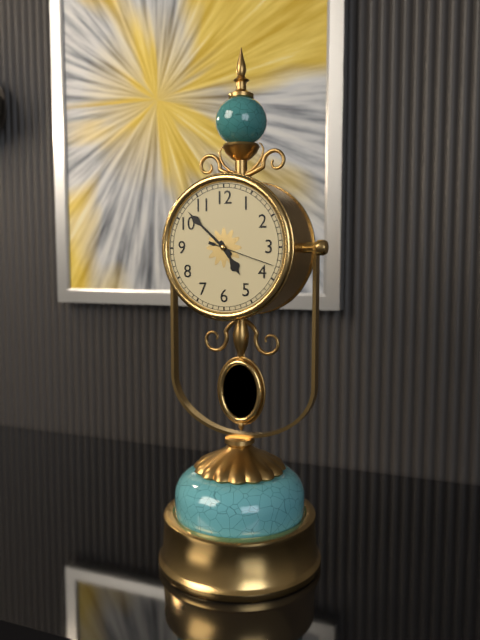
h=4 m=52 s=18
